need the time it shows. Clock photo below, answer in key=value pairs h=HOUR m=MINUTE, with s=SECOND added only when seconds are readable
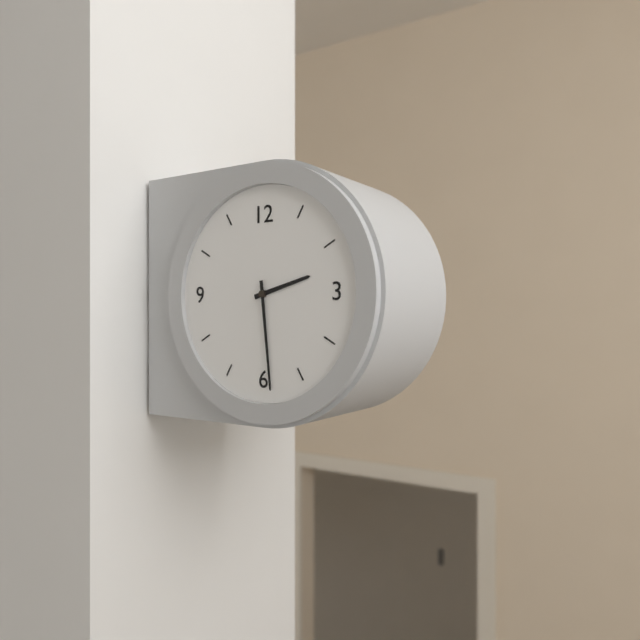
h=2 m=29
